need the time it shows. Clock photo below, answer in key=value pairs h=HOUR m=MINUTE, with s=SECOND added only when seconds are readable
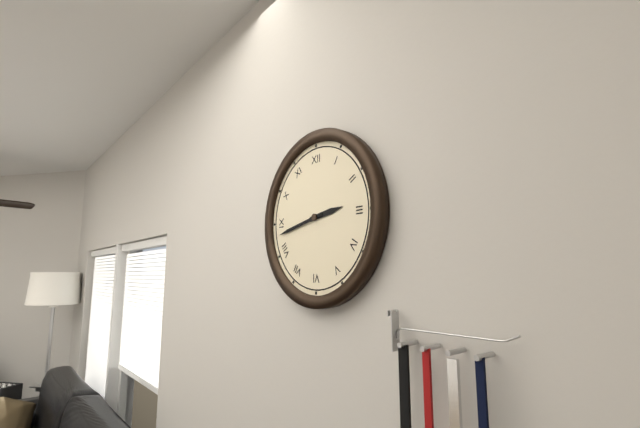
h=2 m=43
